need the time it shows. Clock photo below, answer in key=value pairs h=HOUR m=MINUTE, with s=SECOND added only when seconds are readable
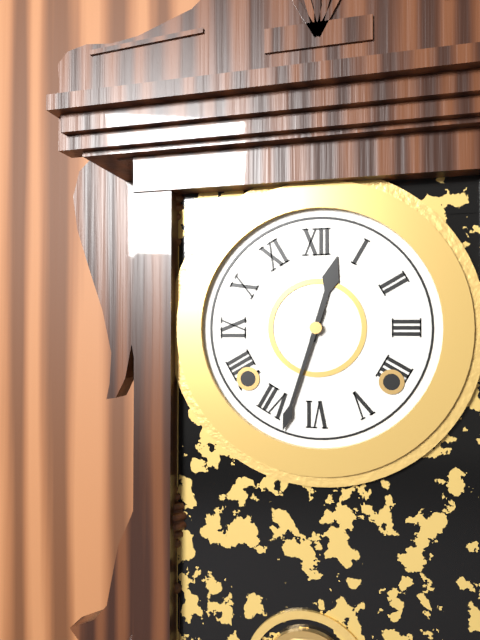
h=12 m=33
